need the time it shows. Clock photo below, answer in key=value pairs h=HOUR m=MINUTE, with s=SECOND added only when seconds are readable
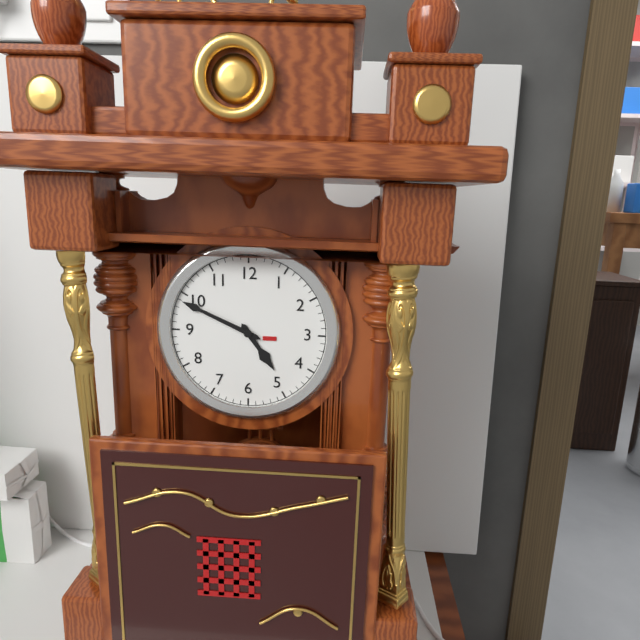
h=4 m=49
